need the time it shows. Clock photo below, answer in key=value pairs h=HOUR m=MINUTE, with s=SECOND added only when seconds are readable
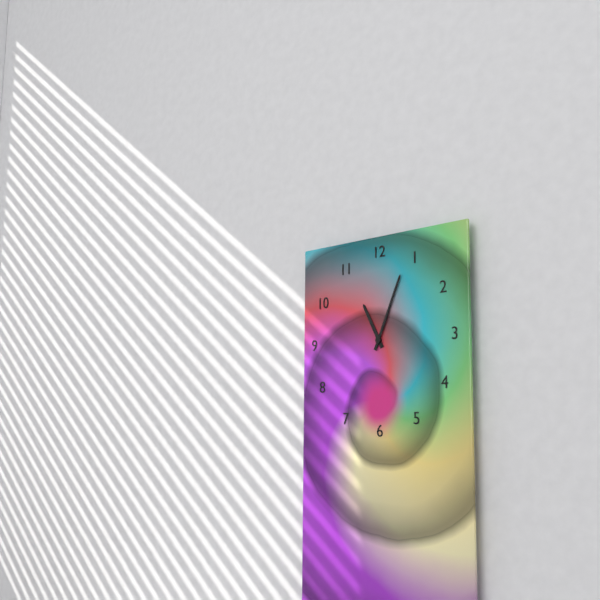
h=11 m=4
